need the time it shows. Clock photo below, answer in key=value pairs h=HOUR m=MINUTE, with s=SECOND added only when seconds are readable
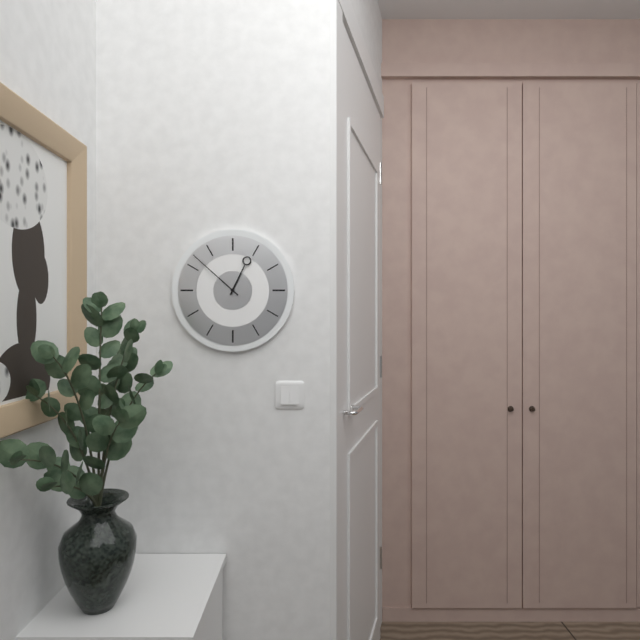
h=12 m=52
